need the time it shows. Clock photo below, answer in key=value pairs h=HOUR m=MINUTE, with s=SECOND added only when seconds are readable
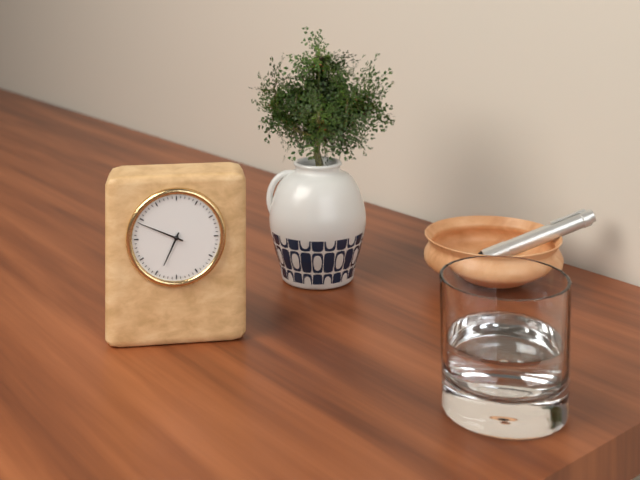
h=6 m=49
